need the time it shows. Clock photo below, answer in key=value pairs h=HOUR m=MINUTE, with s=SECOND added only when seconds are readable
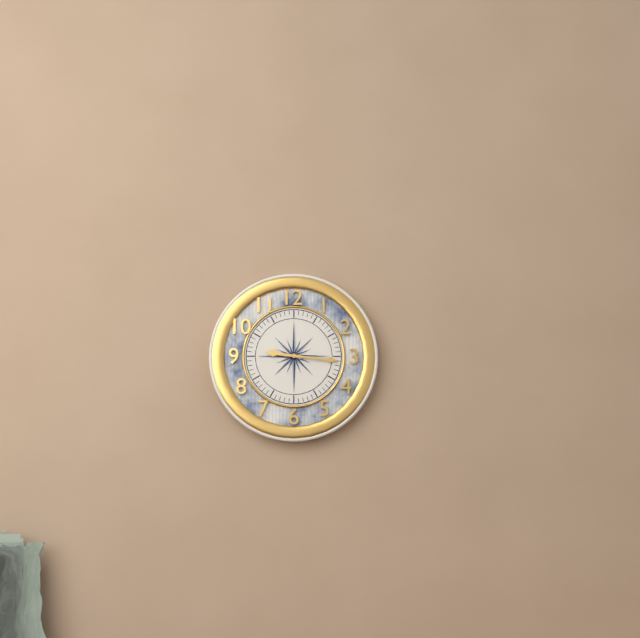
h=9 m=16
